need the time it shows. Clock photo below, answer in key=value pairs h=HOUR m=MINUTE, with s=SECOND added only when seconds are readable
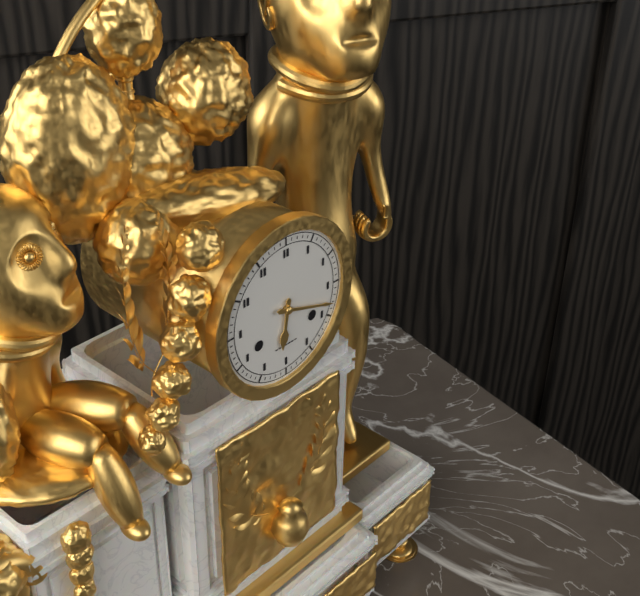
h=6 m=18
